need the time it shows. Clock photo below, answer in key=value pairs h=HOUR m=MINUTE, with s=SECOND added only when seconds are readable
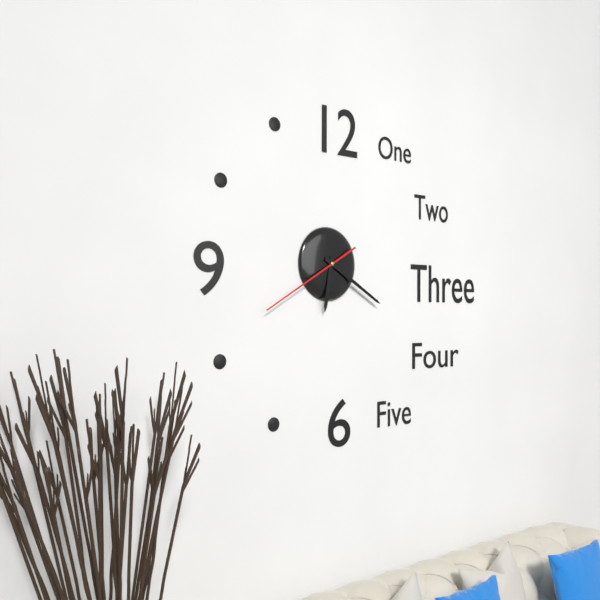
h=6 m=20 s=40
